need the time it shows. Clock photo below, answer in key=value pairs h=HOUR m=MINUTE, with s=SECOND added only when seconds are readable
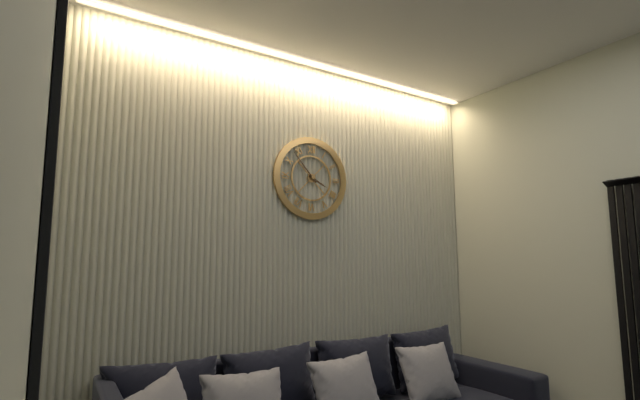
h=3 m=53
